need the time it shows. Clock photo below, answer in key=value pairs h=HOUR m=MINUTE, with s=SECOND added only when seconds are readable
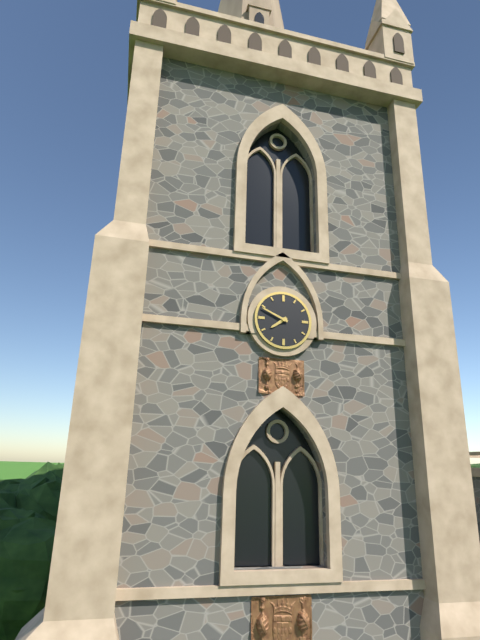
h=7 m=49
